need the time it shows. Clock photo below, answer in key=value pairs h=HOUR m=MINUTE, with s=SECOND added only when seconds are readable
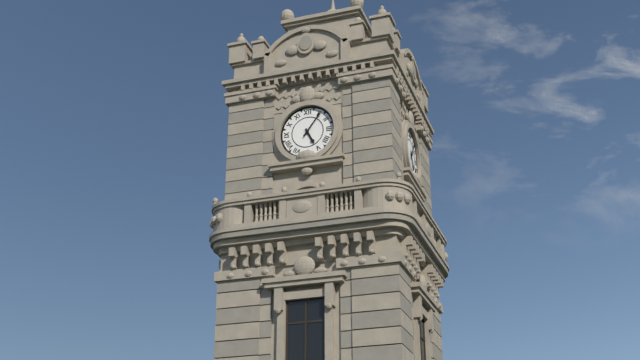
h=5 m=6
